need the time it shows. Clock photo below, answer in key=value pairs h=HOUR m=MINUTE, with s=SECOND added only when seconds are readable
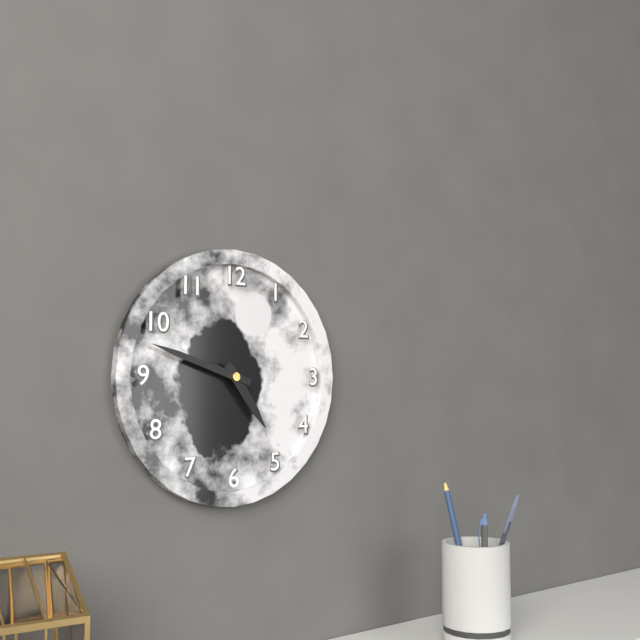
h=4 m=48
